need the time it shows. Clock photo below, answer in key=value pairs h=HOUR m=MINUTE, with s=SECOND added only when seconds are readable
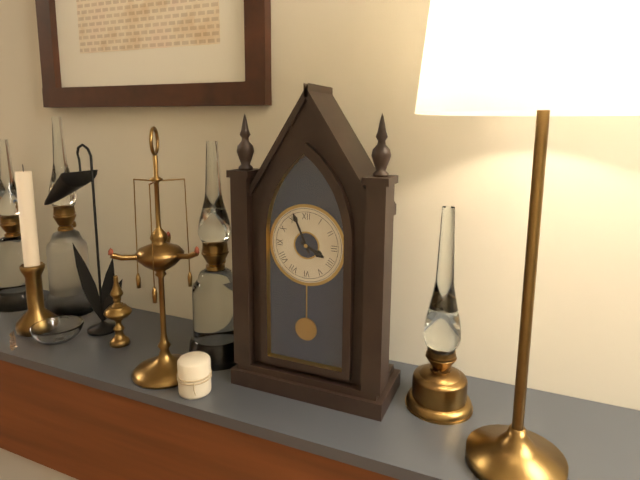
h=3 m=56
